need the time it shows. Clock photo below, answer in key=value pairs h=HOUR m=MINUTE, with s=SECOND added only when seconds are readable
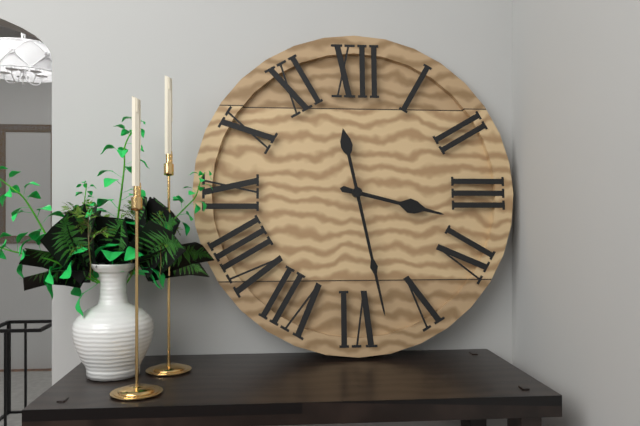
h=3 m=28
